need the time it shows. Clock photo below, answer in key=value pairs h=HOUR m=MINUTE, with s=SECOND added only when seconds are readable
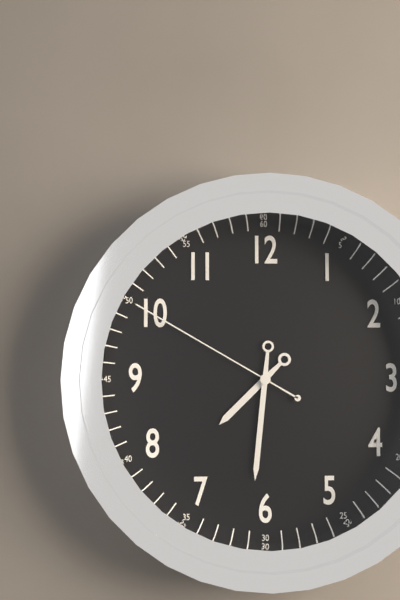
h=7 m=31 s=50
